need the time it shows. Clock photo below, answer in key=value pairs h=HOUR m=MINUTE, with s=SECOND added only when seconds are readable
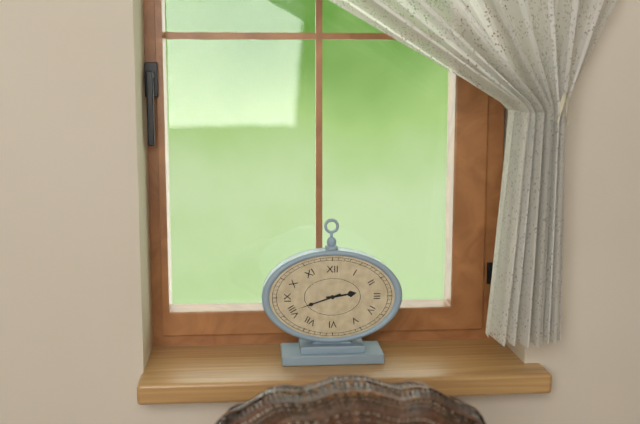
h=2 m=42
